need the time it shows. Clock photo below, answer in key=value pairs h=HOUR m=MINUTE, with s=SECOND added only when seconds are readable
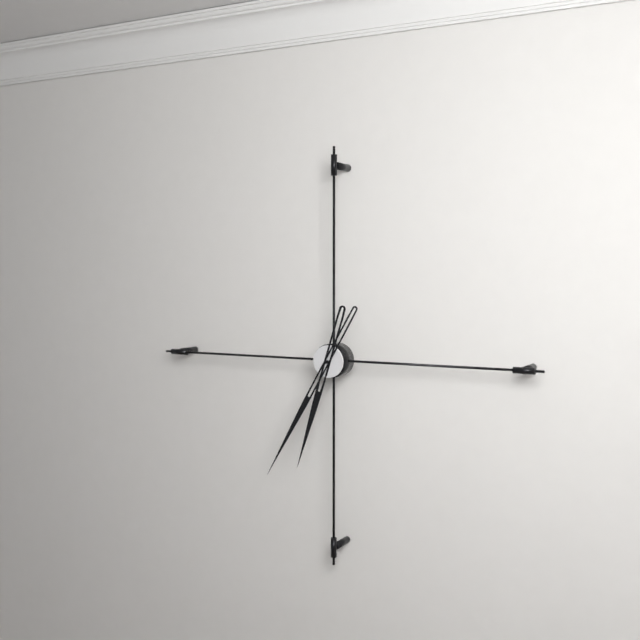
h=6 m=35
